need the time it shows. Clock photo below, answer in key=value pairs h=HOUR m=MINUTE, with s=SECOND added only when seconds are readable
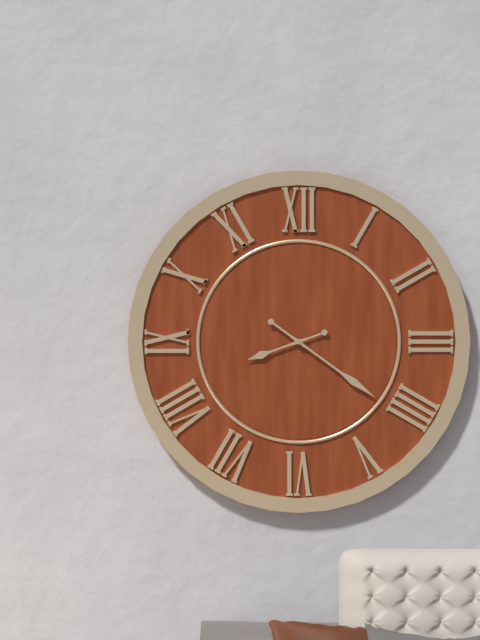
h=8 m=21
